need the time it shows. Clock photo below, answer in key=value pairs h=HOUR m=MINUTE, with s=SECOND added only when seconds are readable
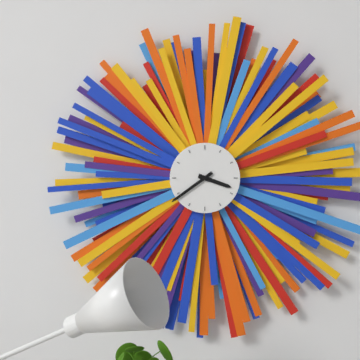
h=3 m=39
